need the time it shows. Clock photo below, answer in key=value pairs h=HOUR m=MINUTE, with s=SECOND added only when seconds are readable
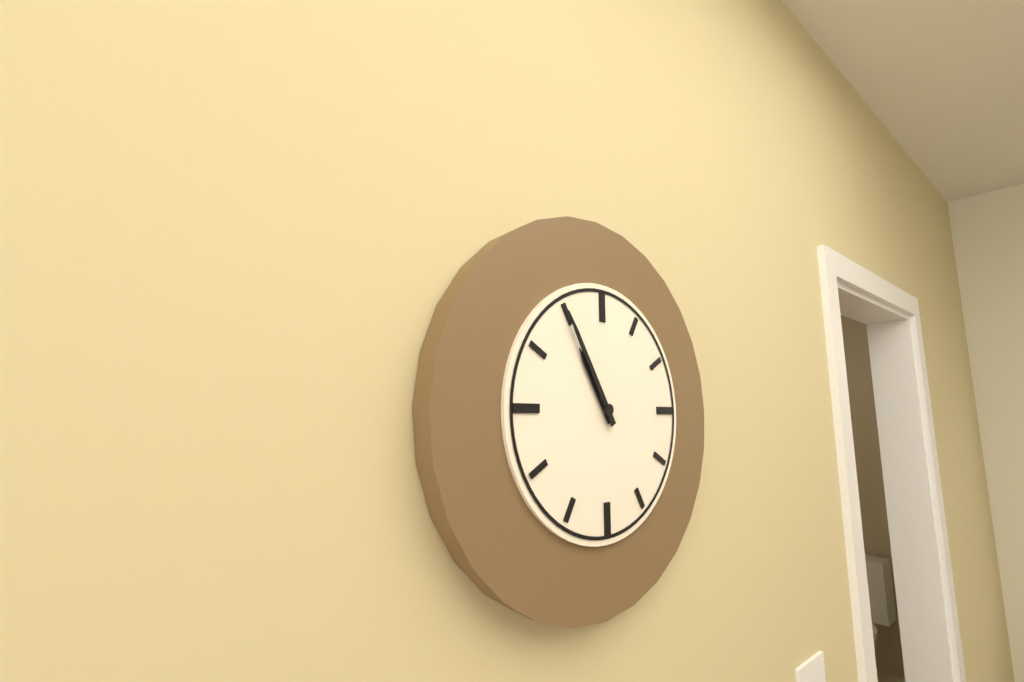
h=10 m=55
